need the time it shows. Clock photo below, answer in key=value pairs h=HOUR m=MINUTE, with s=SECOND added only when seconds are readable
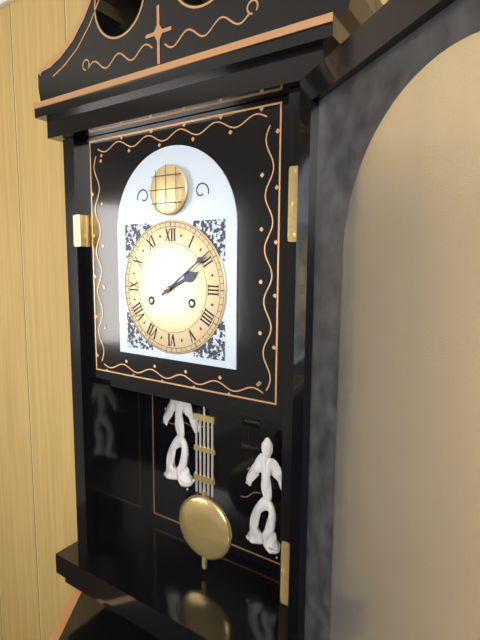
h=2 m=9
